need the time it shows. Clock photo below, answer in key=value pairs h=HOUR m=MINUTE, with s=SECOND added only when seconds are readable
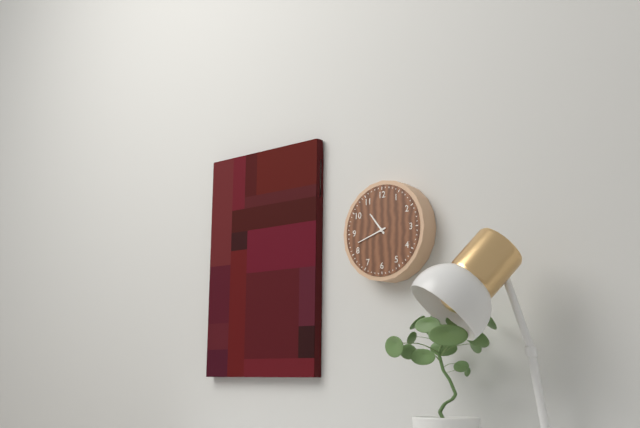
h=10 m=42
